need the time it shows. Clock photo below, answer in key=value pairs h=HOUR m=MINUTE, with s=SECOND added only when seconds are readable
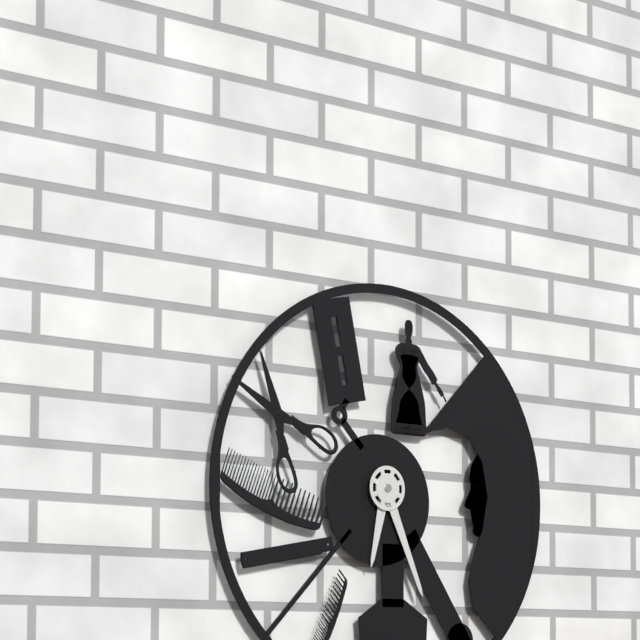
h=6 m=26
